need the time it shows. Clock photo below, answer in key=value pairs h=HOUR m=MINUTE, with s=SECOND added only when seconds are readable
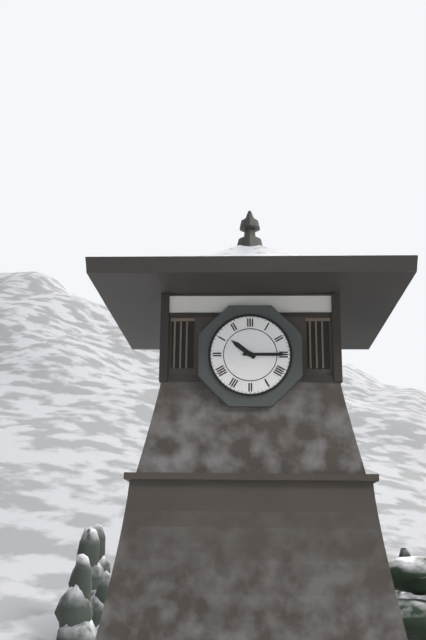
h=10 m=15
